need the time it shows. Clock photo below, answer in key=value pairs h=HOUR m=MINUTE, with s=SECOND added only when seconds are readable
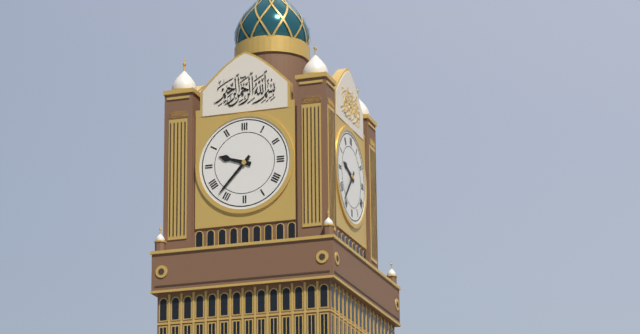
h=9 m=37
